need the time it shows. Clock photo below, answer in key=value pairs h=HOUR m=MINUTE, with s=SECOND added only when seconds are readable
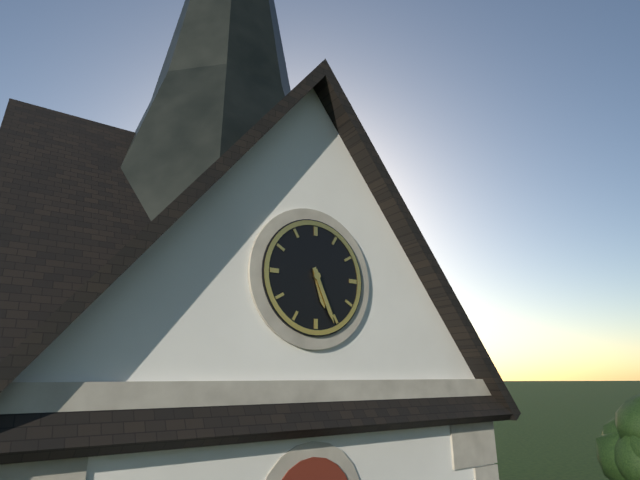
h=5 m=26
